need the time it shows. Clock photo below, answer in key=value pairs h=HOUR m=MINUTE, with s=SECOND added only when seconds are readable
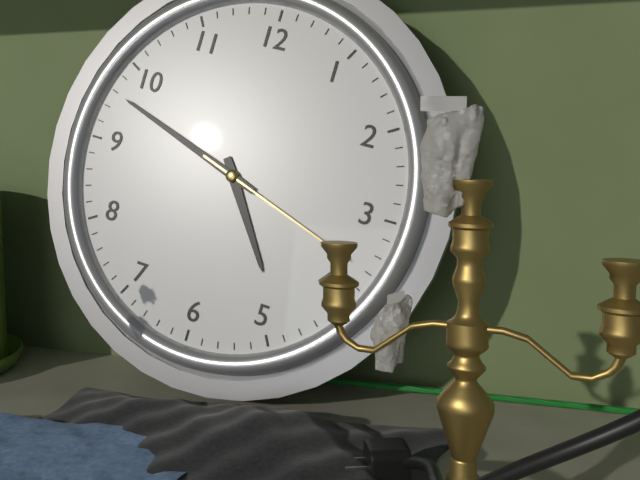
h=4 m=48 s=18
